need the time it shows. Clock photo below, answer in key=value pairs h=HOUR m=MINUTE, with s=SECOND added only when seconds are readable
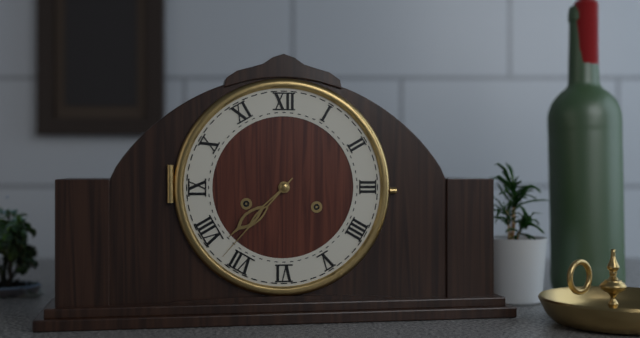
h=7 m=37
